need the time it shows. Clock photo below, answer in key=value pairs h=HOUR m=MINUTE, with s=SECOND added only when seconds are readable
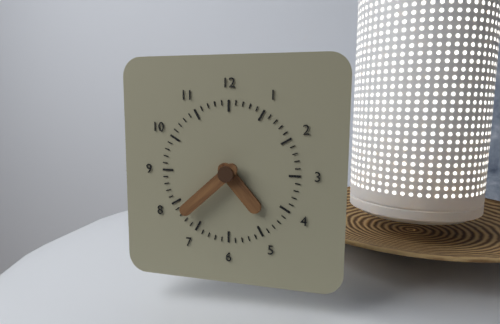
h=4 m=38
